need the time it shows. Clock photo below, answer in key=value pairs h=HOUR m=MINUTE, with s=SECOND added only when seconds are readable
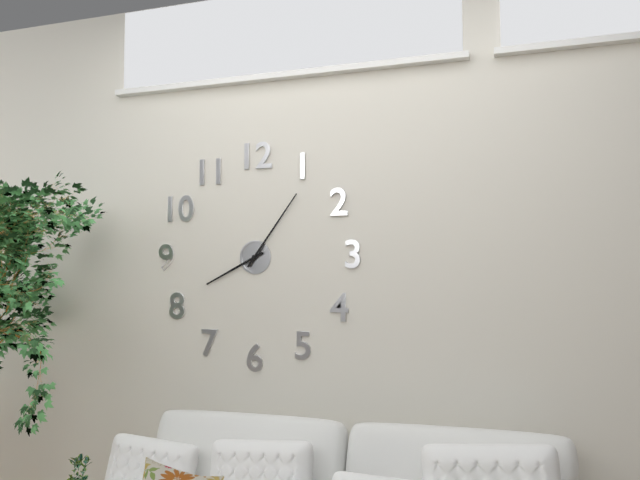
h=8 m=6
